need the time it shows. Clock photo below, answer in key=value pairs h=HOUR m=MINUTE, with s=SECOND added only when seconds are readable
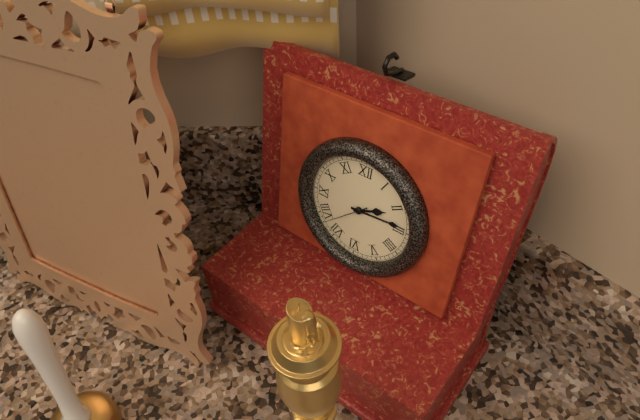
h=2 m=14 s=38
